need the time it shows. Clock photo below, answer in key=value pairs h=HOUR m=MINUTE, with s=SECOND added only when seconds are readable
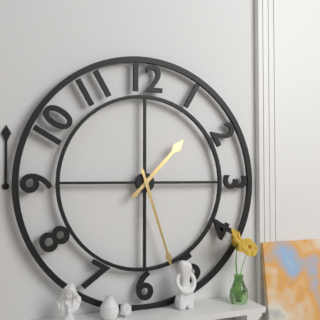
h=1 m=27
